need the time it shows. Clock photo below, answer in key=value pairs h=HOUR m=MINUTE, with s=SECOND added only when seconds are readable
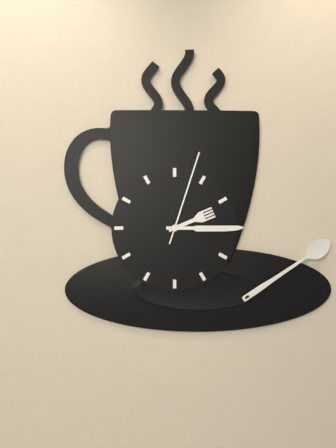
h=2 m=15 s=3
